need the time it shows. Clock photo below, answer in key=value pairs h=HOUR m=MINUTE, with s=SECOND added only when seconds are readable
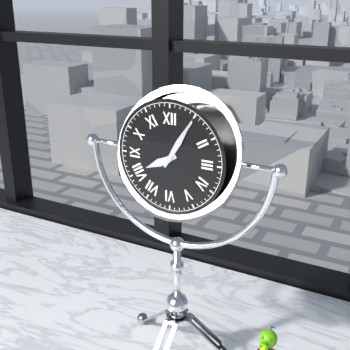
h=8 m=5
